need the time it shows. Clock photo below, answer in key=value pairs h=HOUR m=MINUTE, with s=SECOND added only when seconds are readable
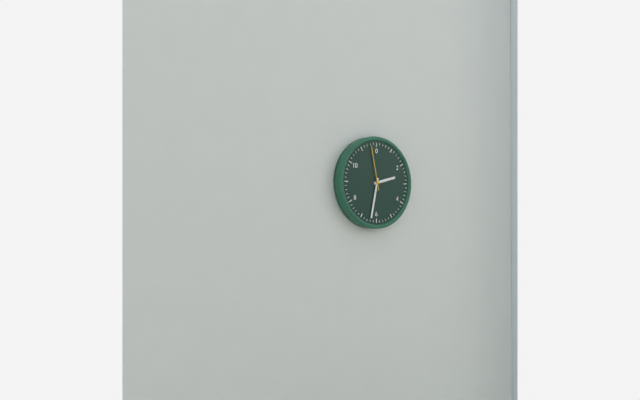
h=2 m=32
